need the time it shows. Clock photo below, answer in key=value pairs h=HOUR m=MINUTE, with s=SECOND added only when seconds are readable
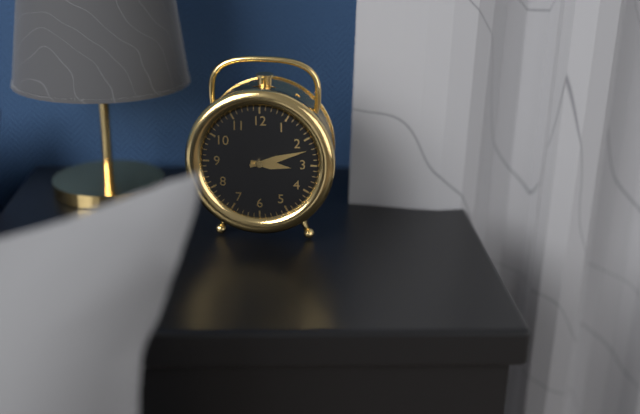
h=3 m=12
